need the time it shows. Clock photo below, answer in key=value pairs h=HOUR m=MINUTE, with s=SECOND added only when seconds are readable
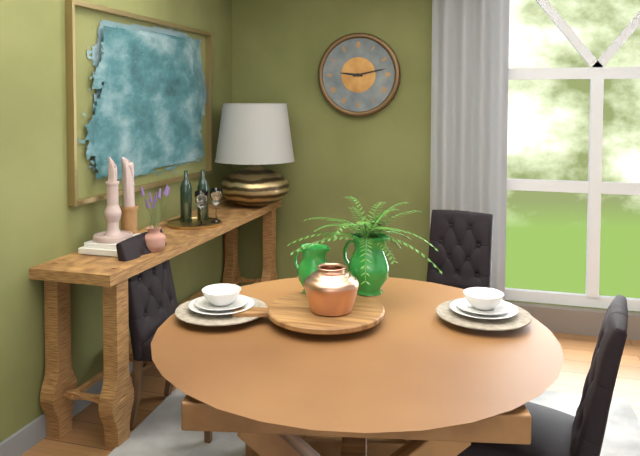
h=9 m=13
